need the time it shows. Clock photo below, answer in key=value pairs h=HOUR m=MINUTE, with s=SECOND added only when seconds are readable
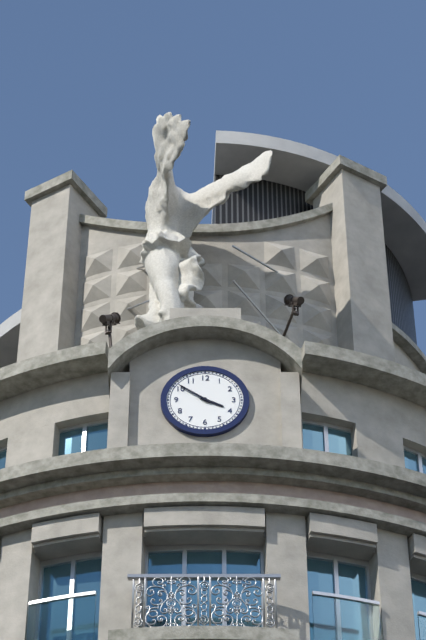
h=3 m=51
